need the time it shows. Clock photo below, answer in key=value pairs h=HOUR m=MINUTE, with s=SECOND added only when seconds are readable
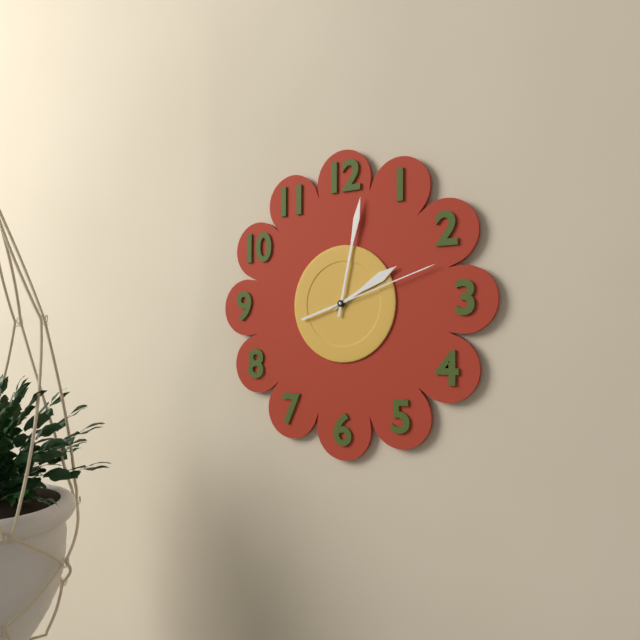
h=2 m=2 s=12
